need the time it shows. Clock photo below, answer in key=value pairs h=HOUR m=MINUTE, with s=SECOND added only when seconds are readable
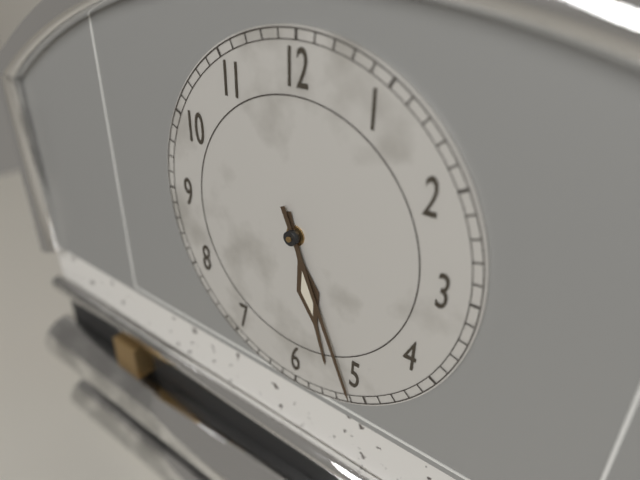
h=5 m=26
